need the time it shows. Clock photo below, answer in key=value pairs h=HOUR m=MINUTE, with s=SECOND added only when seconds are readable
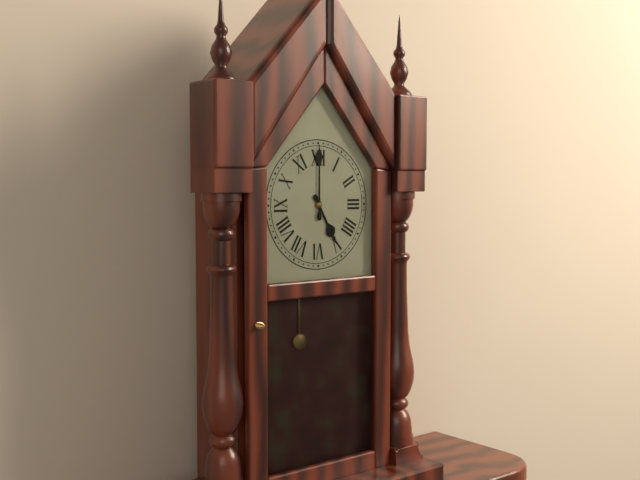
h=5 m=0
